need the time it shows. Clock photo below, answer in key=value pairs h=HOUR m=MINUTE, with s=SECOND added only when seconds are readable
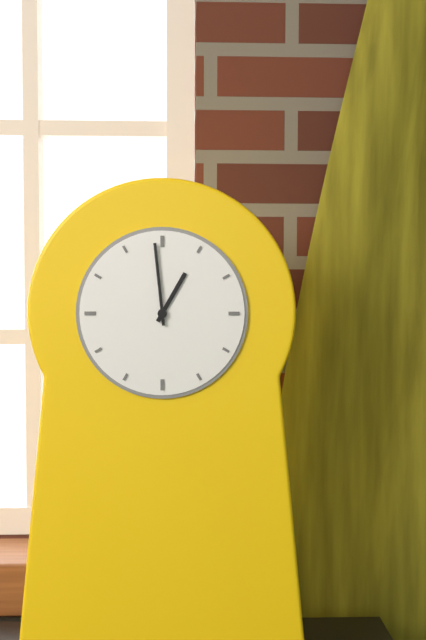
h=12 m=59
